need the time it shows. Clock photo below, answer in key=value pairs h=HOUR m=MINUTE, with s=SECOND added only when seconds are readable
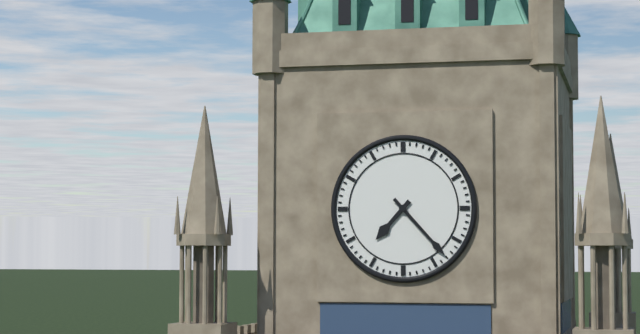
h=7 m=23
